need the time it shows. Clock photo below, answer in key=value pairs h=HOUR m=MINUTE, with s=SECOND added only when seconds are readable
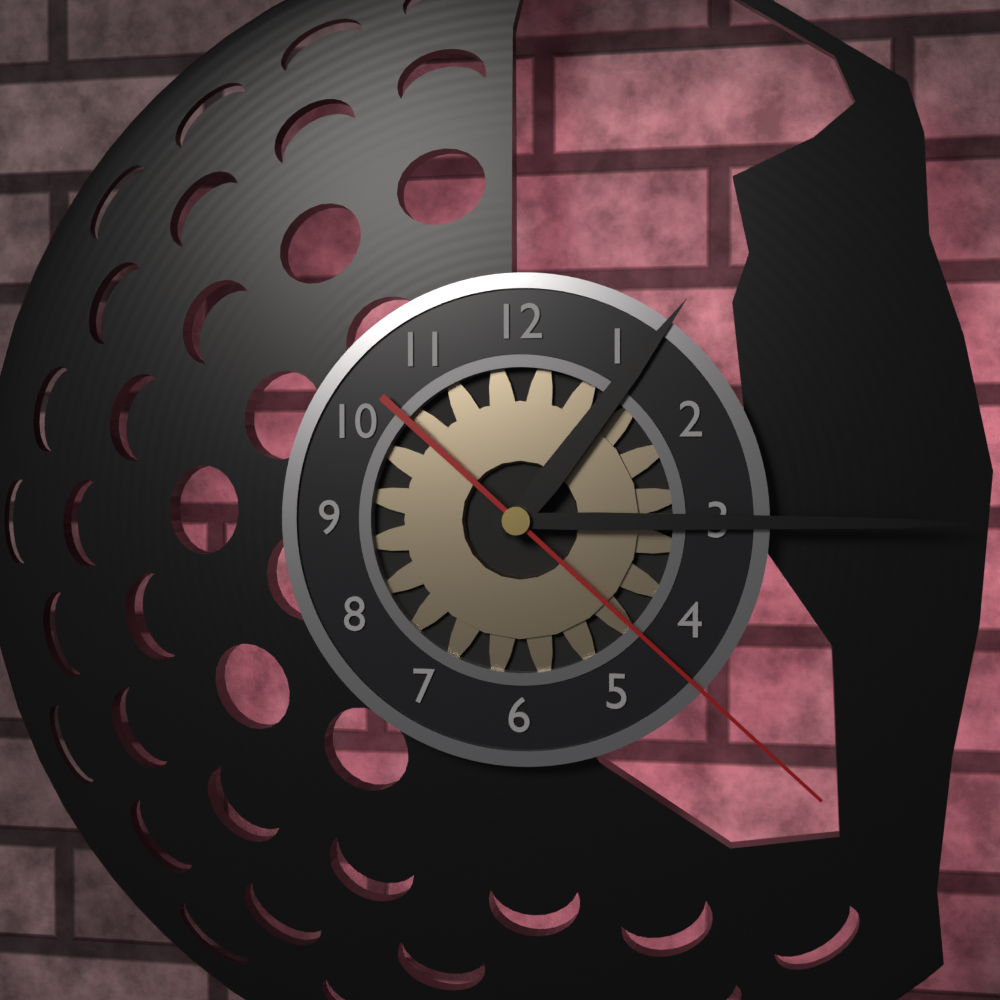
h=1 m=15 s=22
